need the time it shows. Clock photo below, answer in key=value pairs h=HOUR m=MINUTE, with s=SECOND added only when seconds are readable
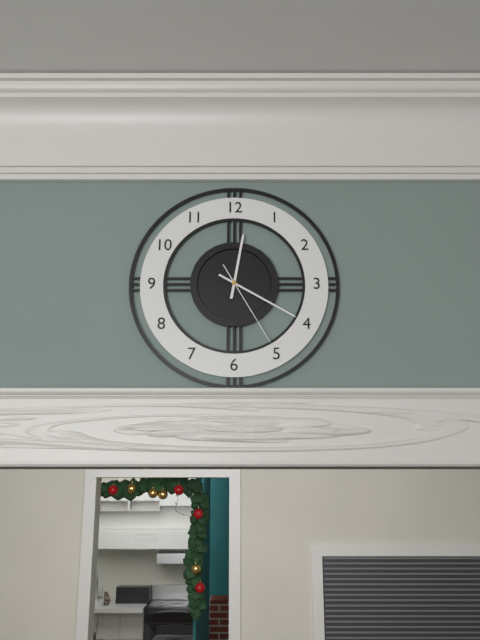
h=12 m=20 s=25
